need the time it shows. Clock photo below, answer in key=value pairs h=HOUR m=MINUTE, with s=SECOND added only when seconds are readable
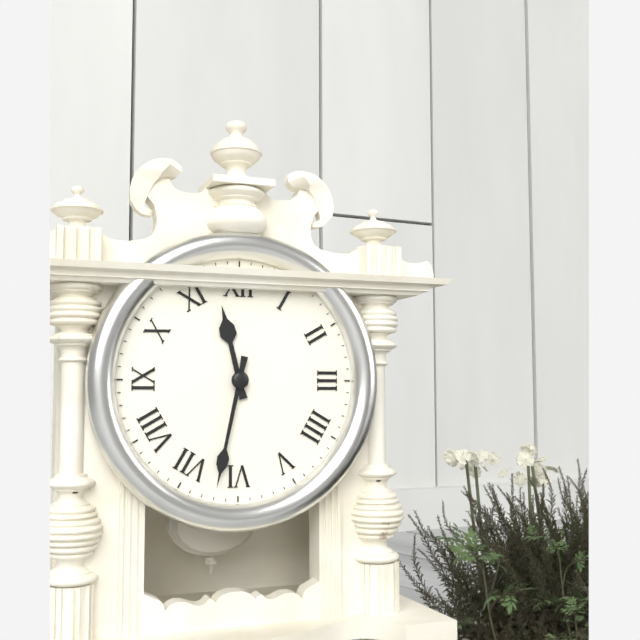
h=11 m=32
